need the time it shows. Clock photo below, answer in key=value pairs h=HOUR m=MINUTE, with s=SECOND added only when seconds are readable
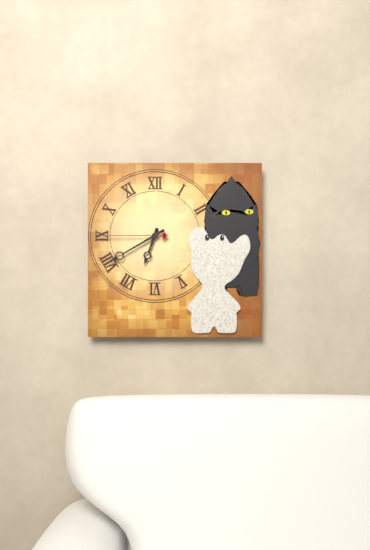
h=6 m=40 s=45
